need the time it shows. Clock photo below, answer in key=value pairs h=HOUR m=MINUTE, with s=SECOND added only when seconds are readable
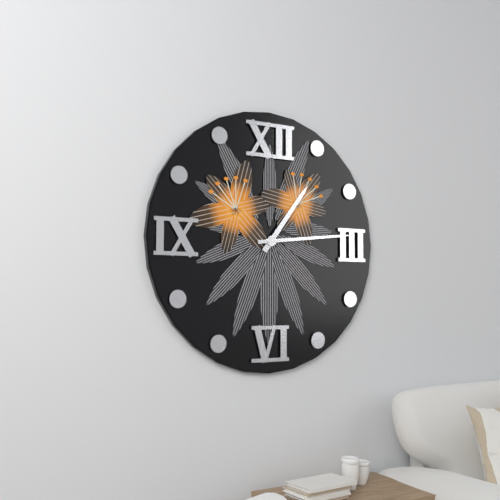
h=1 m=14
